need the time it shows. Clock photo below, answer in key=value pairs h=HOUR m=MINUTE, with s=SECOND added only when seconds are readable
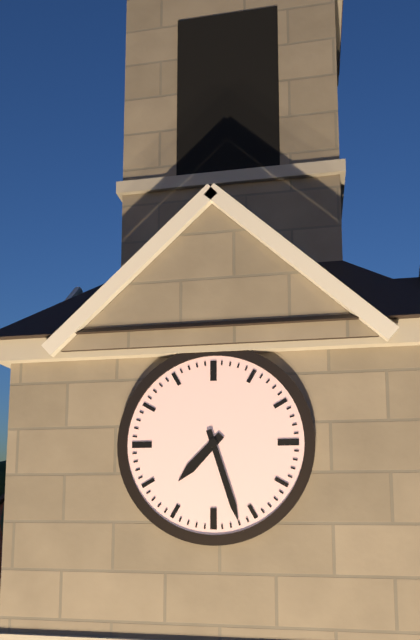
h=7 m=27
